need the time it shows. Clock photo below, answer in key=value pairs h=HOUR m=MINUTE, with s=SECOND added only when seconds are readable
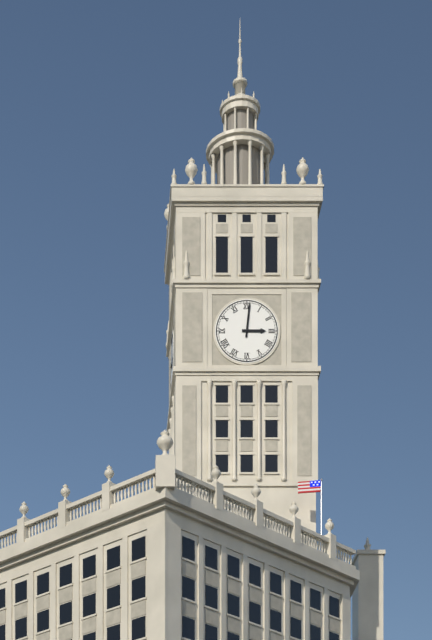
h=3 m=1
